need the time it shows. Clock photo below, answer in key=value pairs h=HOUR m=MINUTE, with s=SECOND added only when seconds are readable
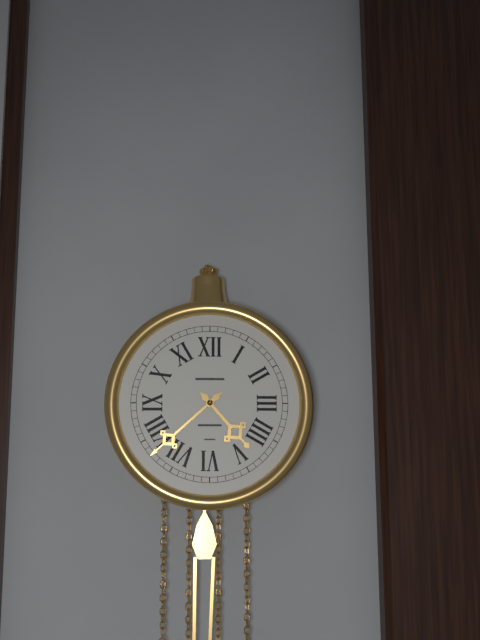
h=4 m=38
